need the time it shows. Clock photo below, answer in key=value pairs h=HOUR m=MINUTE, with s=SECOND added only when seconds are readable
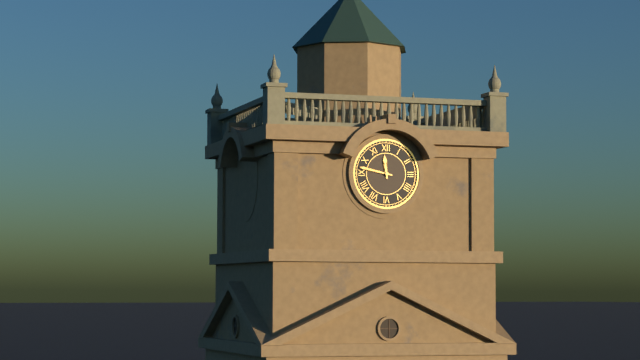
h=11 m=47
